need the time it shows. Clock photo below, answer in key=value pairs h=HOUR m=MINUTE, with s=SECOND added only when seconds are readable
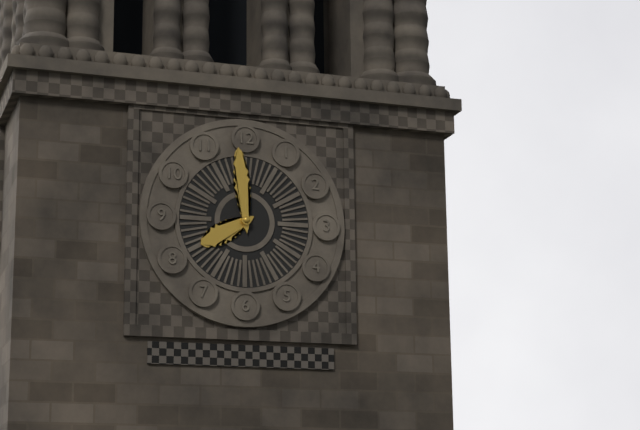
h=7 m=59
